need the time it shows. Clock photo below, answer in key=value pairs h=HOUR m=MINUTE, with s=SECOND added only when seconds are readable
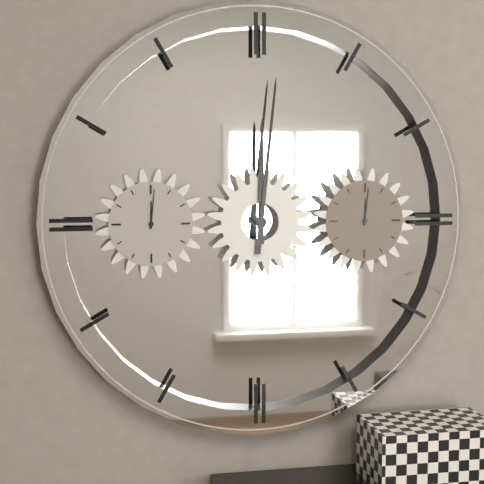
h=12 m=1
